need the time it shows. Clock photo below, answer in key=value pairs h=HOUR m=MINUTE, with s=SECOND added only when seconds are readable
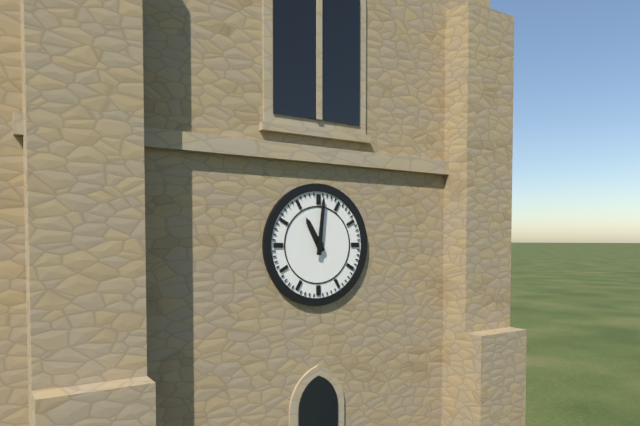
h=11 m=1
